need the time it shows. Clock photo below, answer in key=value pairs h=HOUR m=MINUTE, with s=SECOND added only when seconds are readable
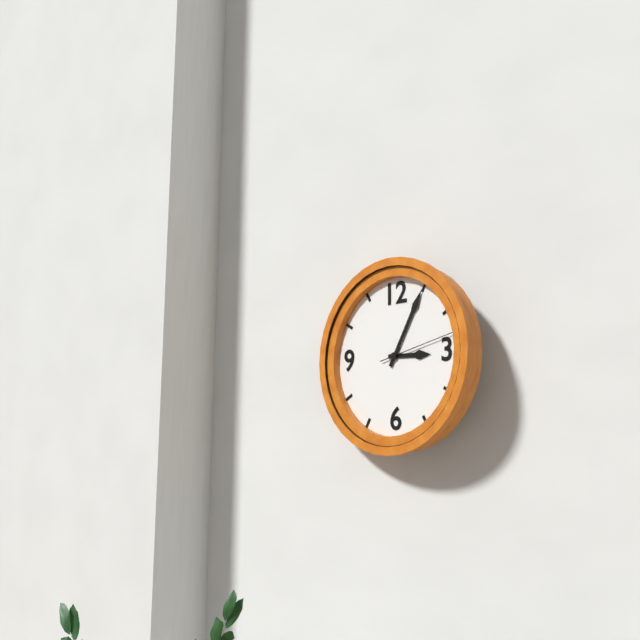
h=3 m=5 s=13
